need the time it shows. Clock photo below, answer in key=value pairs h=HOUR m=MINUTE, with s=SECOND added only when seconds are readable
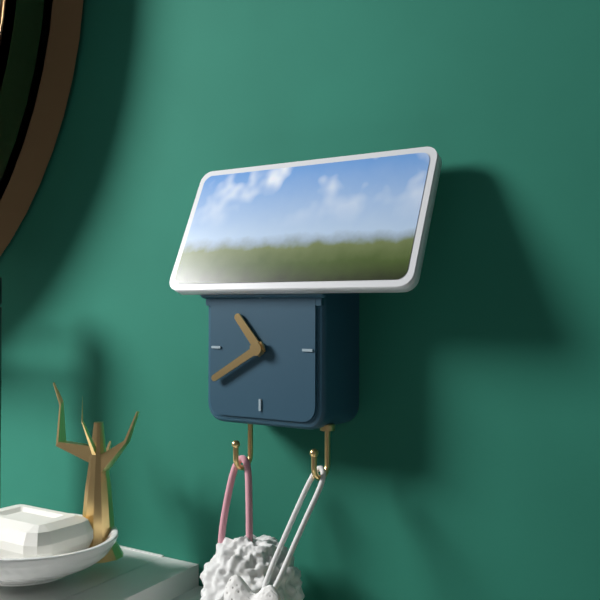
h=10 m=40
